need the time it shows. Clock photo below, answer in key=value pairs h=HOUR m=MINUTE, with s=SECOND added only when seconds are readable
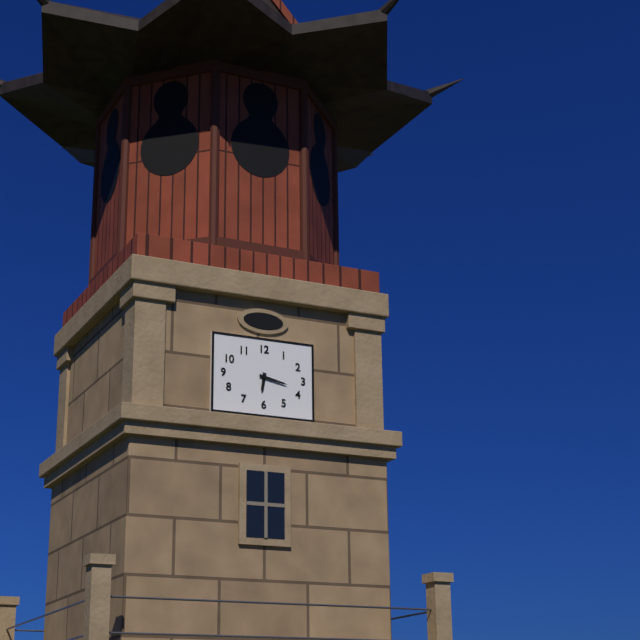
h=6 m=17
